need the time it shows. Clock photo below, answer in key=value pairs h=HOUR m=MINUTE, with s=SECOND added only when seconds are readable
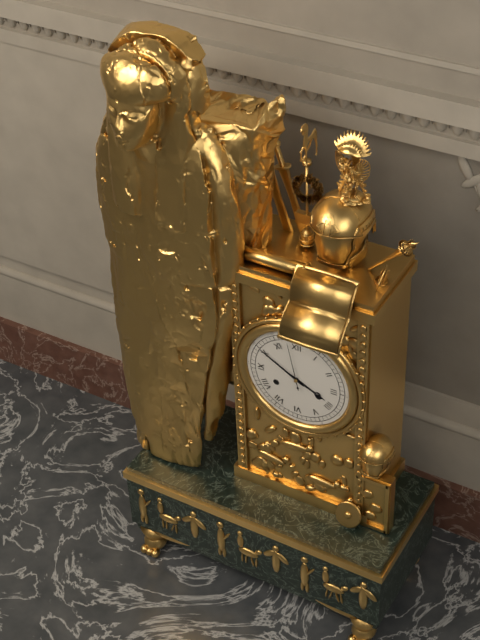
h=3 m=50
